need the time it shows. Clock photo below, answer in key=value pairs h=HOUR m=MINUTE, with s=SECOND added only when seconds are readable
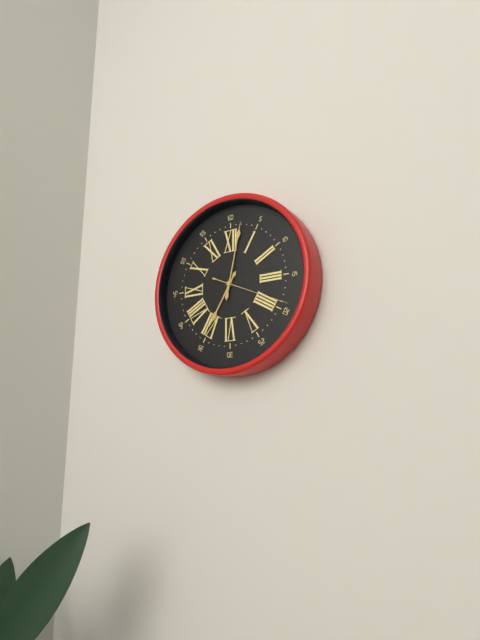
h=7 m=2 s=19
